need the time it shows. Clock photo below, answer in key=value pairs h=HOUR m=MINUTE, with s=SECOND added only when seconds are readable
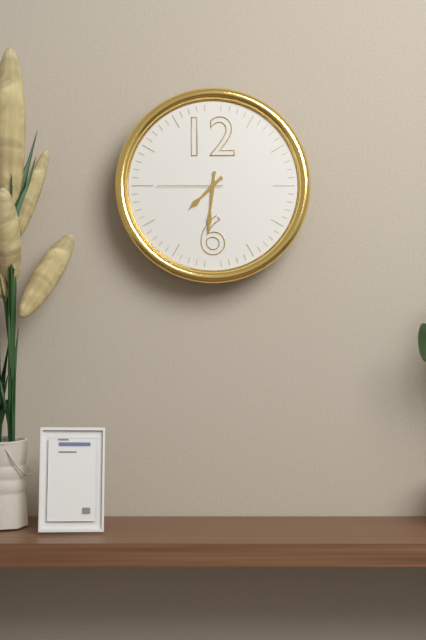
h=7 m=31 s=45
